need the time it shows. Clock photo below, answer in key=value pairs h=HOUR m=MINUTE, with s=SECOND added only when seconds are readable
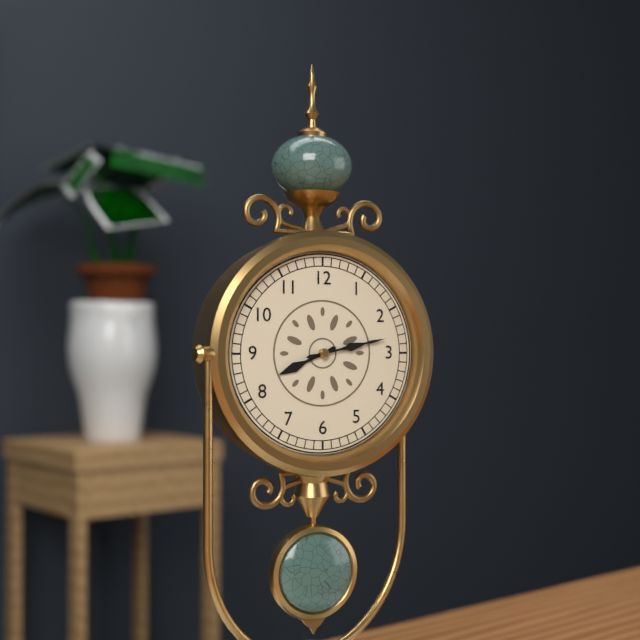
h=8 m=13
